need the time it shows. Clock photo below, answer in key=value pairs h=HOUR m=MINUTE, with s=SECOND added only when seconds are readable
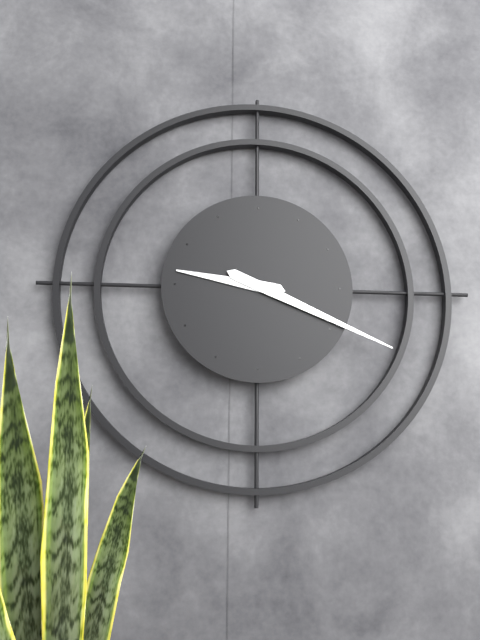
h=9 m=19
